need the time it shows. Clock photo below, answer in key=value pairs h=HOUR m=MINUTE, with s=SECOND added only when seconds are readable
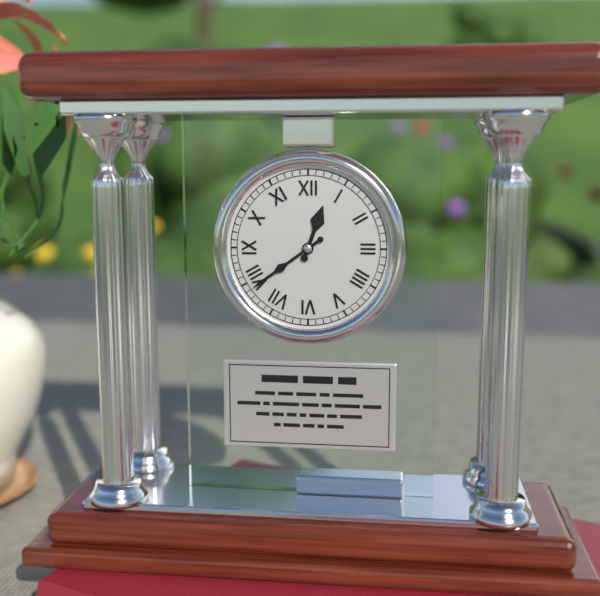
h=12 m=39
